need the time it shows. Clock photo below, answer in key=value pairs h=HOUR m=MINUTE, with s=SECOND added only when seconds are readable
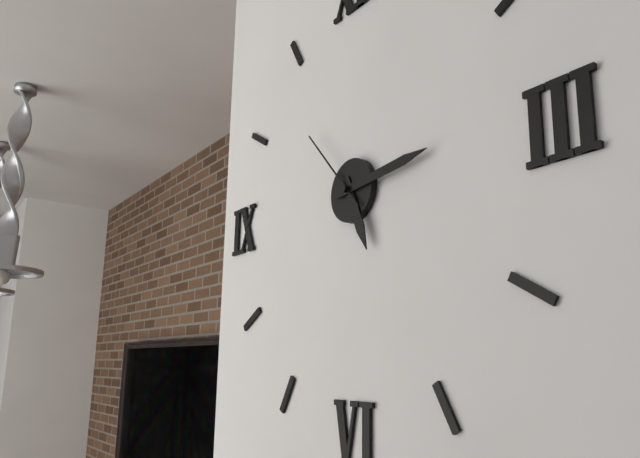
h=5 m=14 s=53
